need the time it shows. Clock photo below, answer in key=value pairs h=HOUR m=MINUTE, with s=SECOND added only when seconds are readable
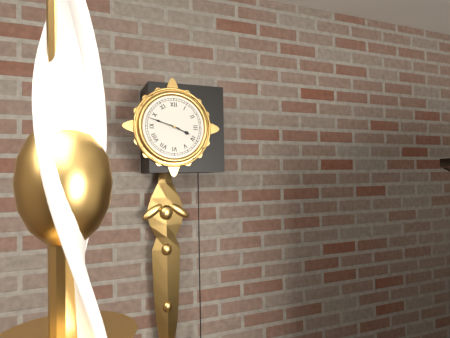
h=3 m=48
